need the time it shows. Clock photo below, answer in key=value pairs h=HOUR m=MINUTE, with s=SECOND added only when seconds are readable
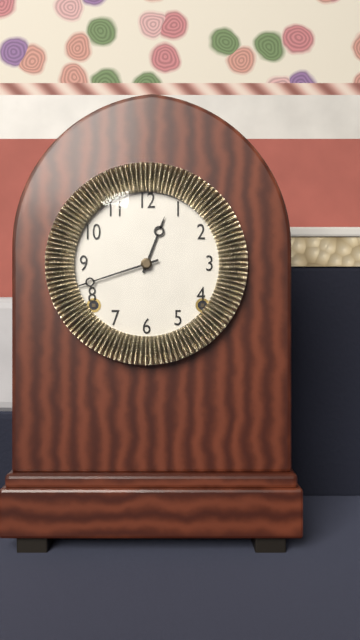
h=12 m=42
